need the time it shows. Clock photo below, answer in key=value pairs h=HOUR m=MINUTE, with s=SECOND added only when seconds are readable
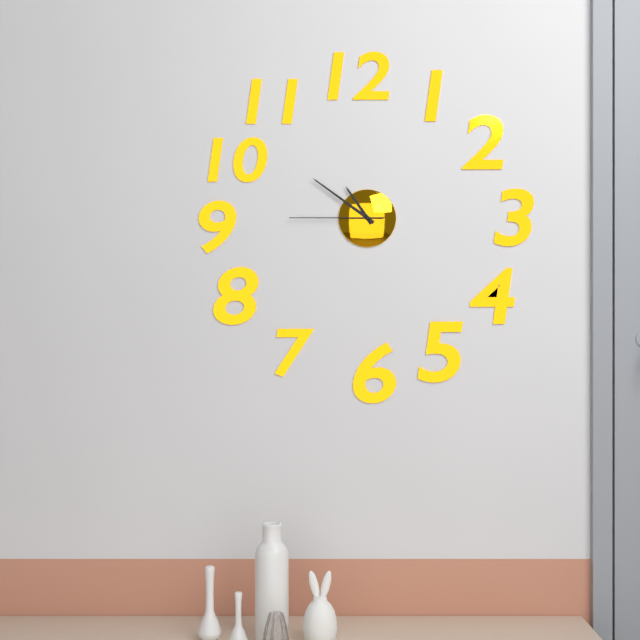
h=10 m=51 s=45
